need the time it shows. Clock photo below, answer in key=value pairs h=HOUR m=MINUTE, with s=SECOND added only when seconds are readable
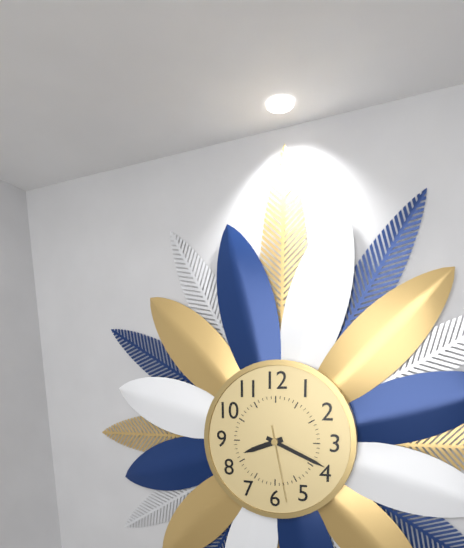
h=8 m=19 s=28
